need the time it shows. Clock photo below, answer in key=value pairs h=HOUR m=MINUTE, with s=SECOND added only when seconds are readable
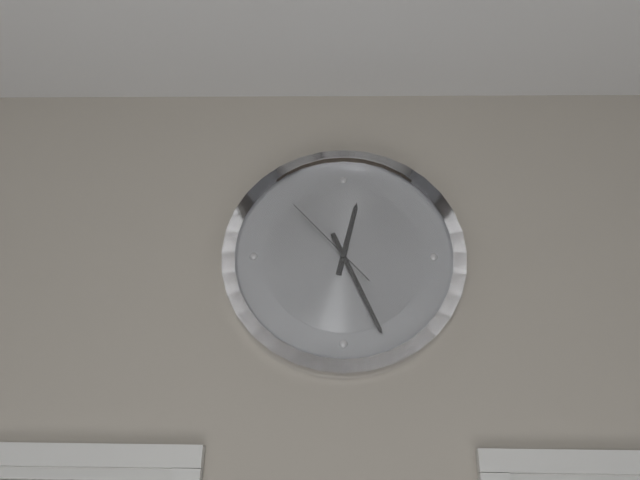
h=12 m=26 s=53
